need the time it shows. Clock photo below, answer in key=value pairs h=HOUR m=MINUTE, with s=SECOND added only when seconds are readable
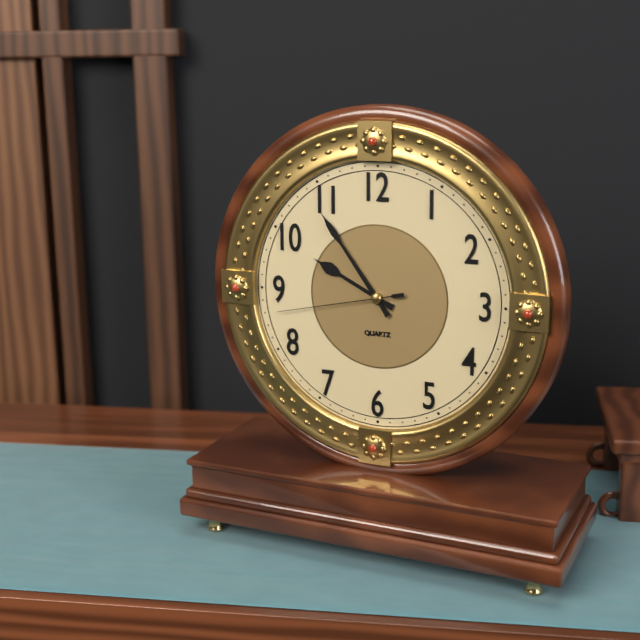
h=9 m=54 s=43
